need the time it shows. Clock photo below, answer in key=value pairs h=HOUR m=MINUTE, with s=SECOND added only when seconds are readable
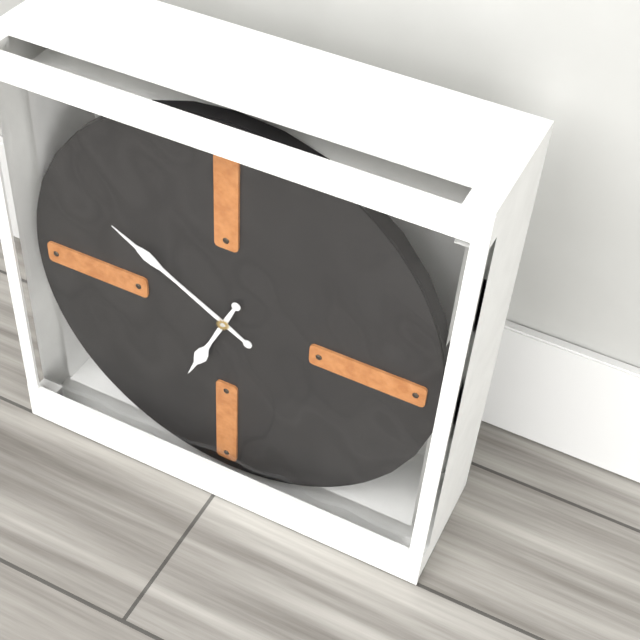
h=6 m=50
